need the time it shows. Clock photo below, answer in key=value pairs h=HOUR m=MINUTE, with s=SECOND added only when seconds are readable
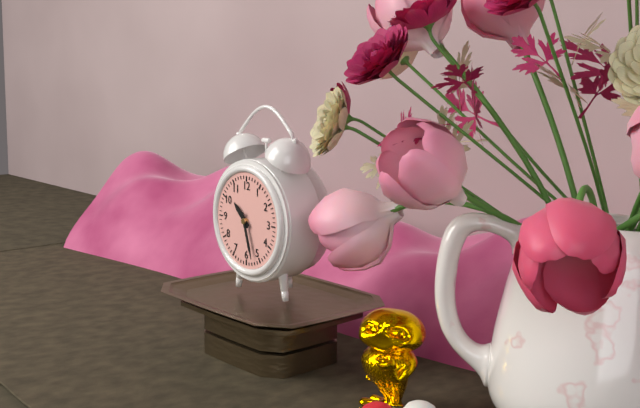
h=10 m=27
